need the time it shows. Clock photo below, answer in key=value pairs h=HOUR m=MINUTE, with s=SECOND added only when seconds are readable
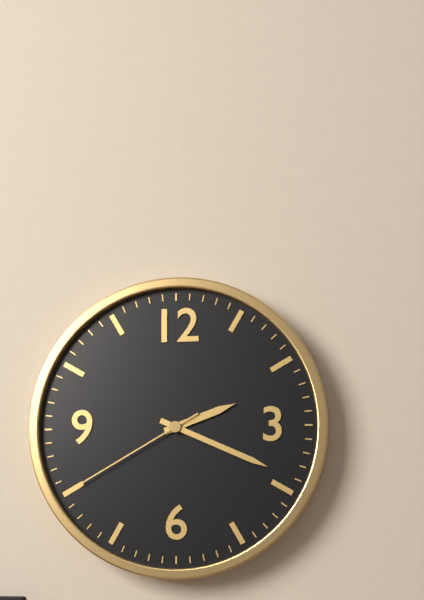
h=2 m=19 s=40
